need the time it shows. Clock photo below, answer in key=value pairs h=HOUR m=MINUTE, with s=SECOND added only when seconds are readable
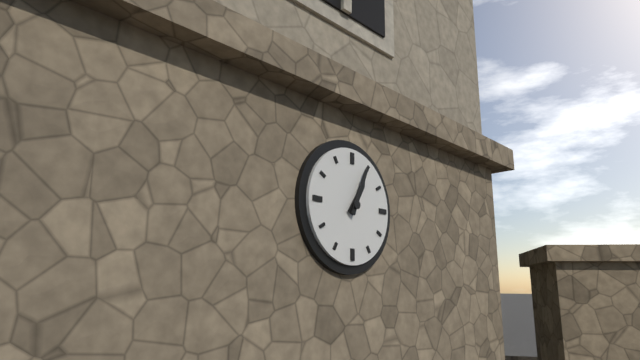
h=1 m=4
